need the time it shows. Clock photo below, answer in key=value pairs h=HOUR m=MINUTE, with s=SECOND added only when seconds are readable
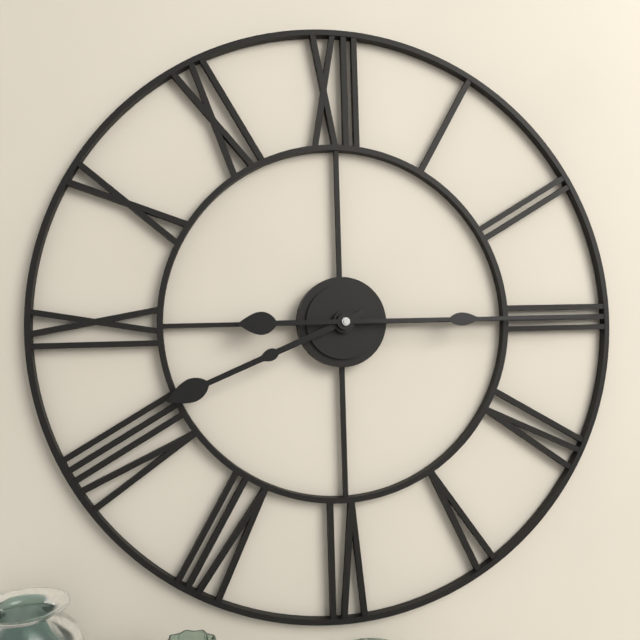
h=8 m=15
